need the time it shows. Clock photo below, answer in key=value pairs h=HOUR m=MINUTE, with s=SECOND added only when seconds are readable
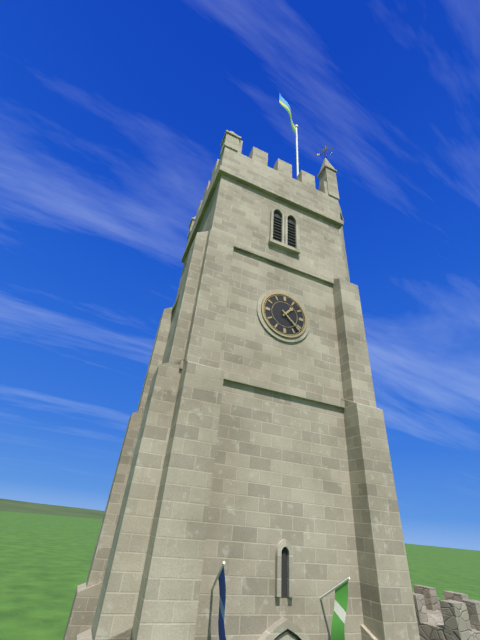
h=1 m=22
